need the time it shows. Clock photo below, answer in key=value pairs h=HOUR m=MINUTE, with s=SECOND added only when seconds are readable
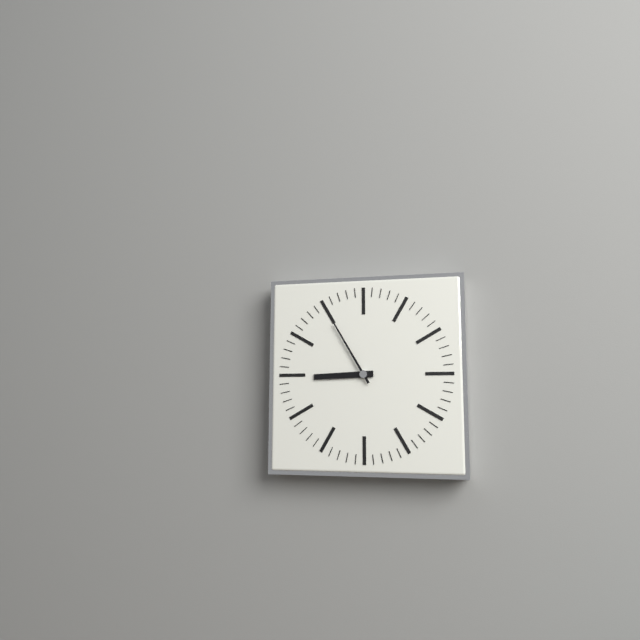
h=8 m=55
